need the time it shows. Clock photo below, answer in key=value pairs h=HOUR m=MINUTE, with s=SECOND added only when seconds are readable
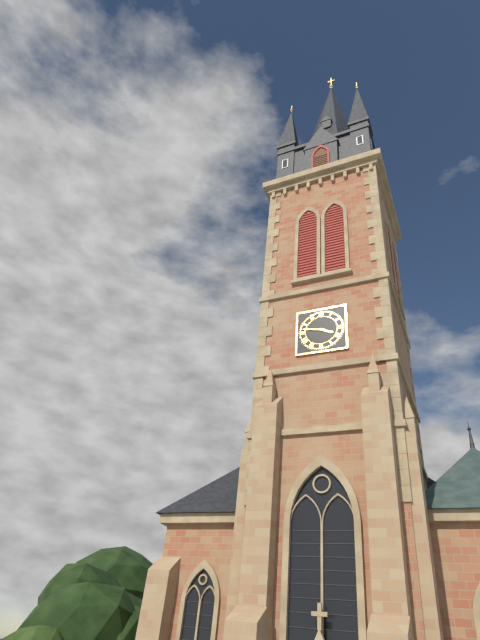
h=3 m=47
